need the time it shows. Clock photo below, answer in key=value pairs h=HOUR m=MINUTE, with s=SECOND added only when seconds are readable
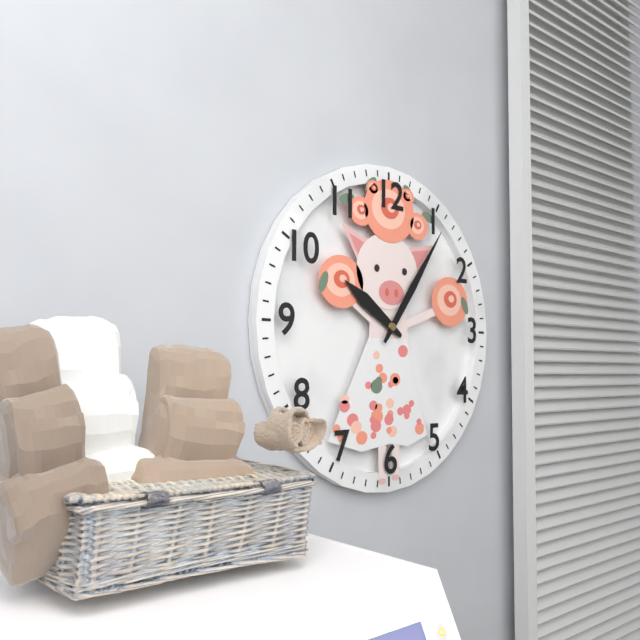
h=10 m=6
